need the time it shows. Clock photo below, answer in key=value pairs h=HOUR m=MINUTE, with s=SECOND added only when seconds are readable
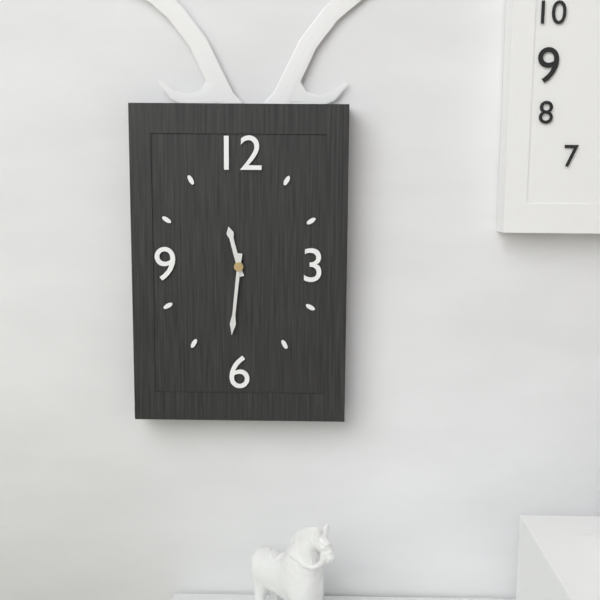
h=11 m=31
